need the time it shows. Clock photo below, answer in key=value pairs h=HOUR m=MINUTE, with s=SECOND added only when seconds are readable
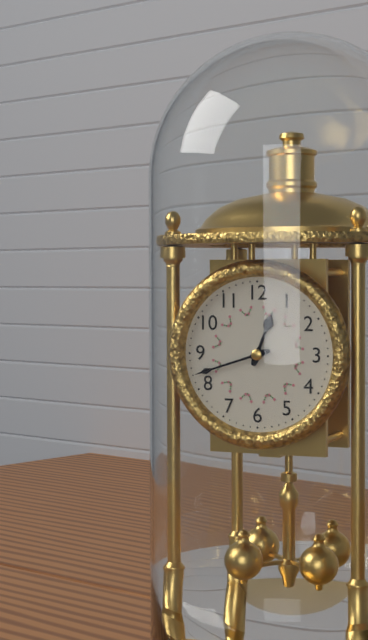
h=12 m=42
